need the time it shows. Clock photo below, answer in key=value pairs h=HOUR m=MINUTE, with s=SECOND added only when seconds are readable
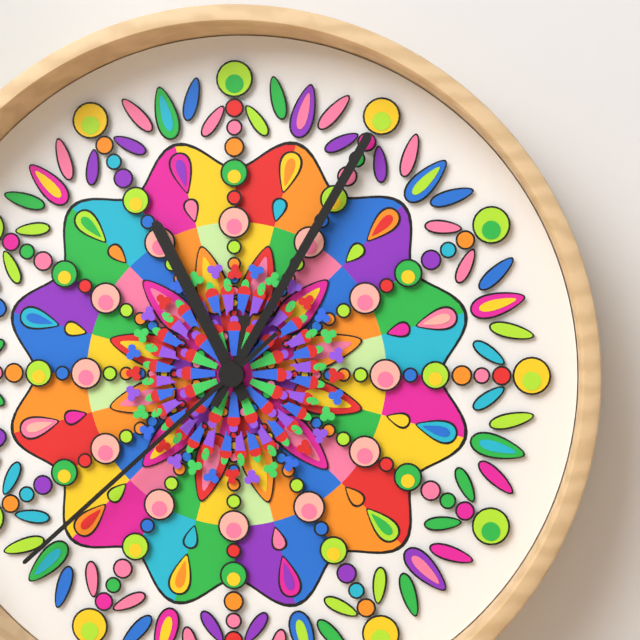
h=11 m=5 s=38
